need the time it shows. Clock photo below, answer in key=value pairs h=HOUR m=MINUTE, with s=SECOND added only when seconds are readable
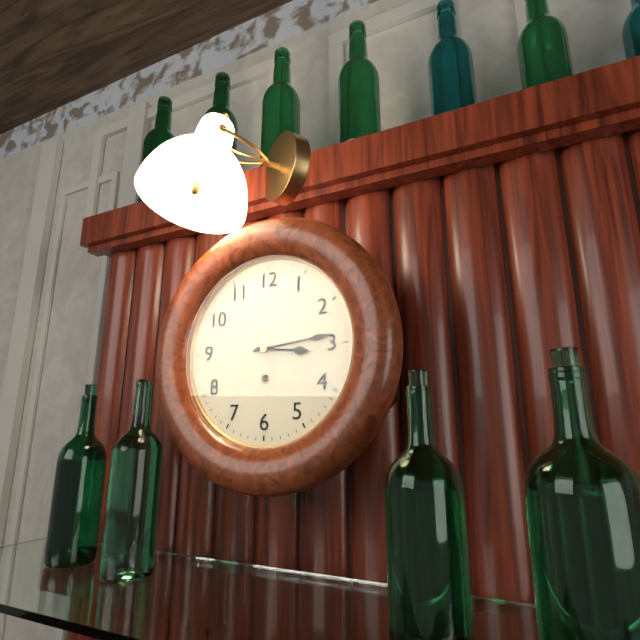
h=3 m=14
